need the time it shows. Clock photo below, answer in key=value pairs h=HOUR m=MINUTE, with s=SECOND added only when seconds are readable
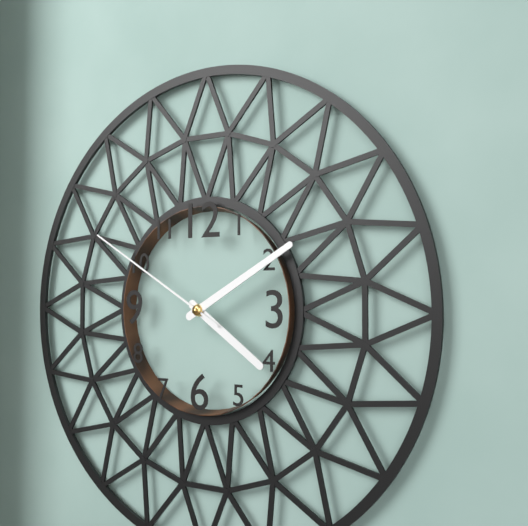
h=4 m=10 s=50
